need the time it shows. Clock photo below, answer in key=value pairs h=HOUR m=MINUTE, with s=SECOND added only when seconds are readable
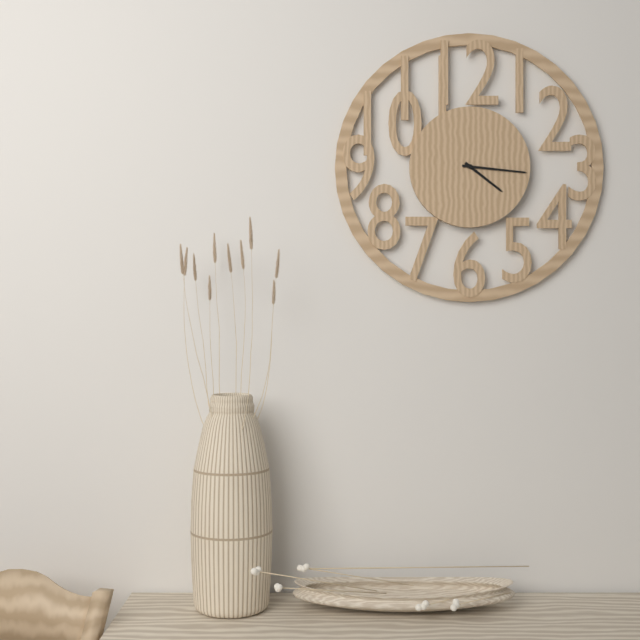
h=4 m=16
